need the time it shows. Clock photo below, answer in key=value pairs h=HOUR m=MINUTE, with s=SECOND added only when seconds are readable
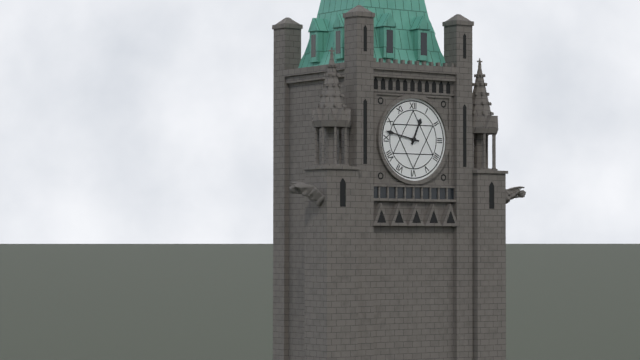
h=12 m=47
